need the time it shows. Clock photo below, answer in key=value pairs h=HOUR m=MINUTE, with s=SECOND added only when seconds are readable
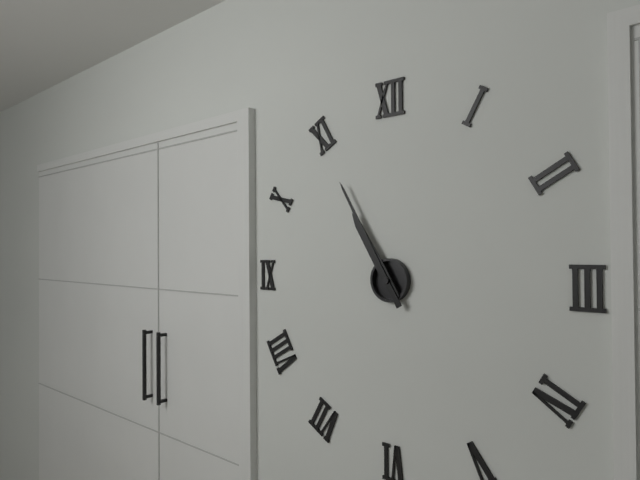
h=10 m=55
